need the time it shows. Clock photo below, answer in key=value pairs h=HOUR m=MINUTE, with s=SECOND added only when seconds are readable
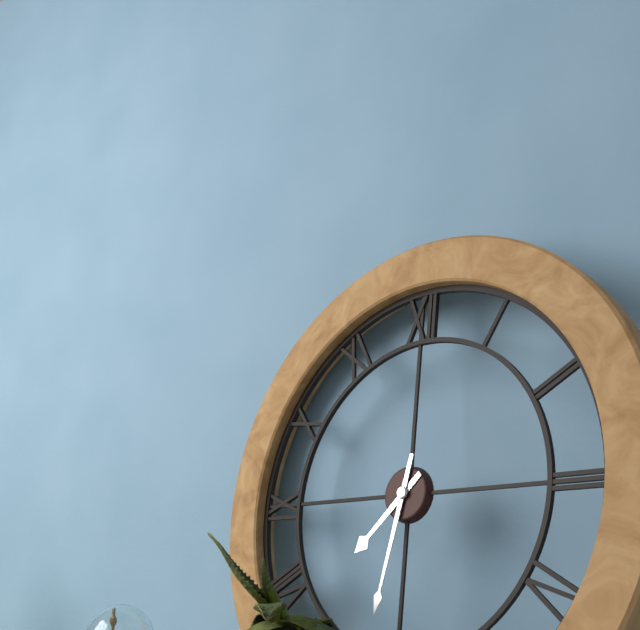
h=7 m=32
